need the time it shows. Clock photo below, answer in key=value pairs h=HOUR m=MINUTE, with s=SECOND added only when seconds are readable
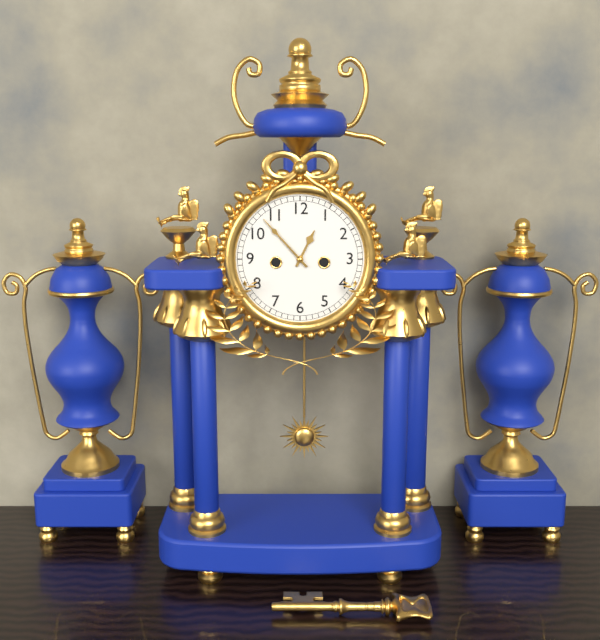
h=12 m=53
